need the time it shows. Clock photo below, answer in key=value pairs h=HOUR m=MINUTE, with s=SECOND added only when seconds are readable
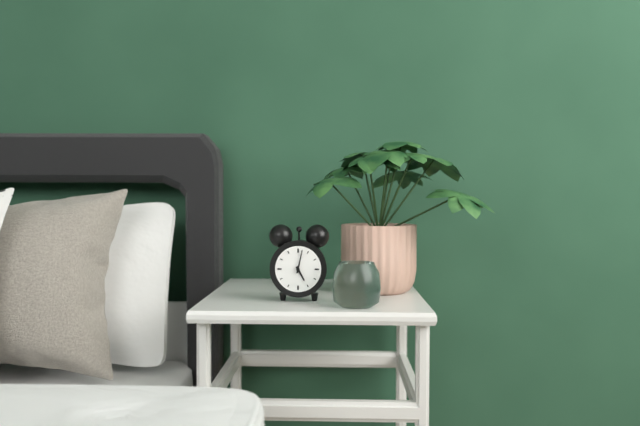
h=5 m=2
